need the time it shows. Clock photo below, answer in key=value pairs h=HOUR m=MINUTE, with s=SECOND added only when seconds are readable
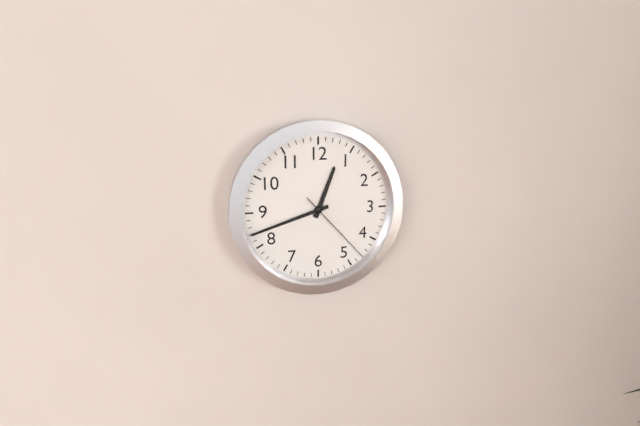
h=12 m=42 s=23
